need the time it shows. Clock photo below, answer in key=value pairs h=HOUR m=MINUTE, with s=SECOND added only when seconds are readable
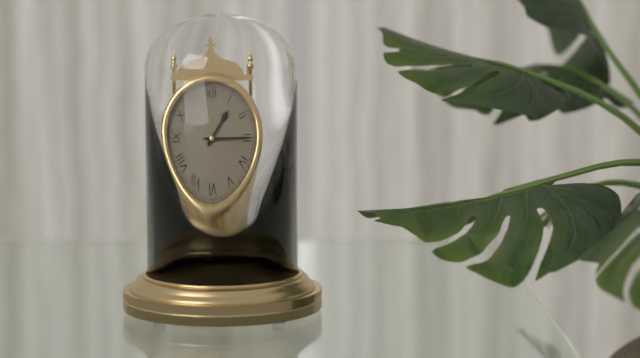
h=1 m=15
